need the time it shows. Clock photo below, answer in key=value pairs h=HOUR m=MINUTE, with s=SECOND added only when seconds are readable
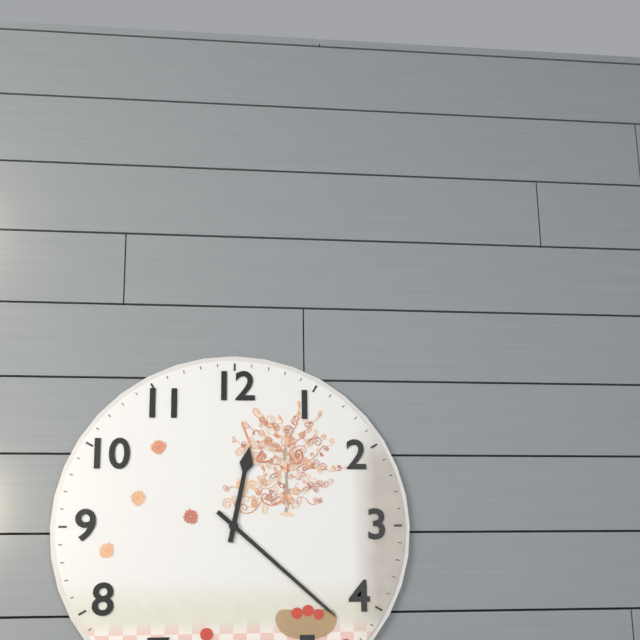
h=12 m=22
